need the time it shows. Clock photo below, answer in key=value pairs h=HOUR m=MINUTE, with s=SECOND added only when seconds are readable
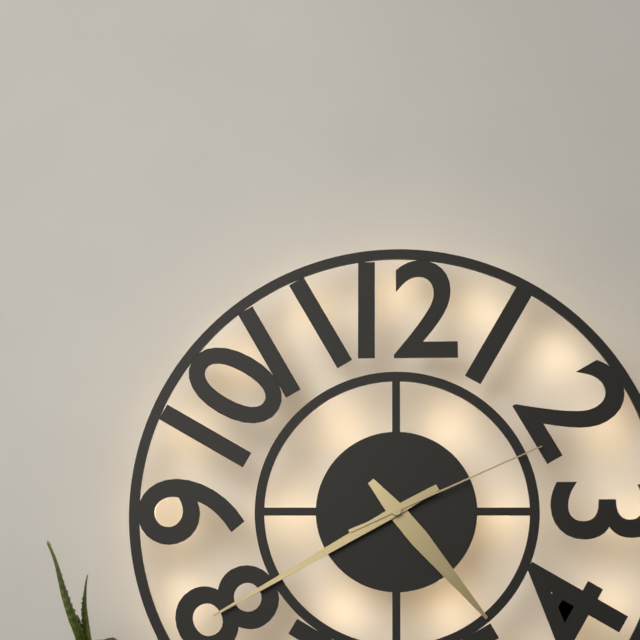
h=4 m=40 s=11
